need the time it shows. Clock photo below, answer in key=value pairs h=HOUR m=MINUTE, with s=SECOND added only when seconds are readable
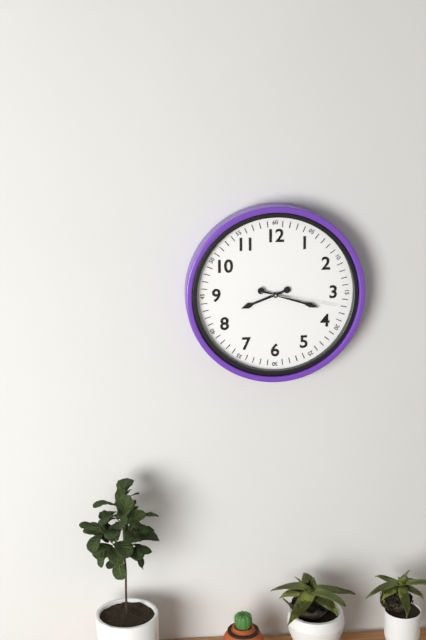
h=8 m=18 s=17
